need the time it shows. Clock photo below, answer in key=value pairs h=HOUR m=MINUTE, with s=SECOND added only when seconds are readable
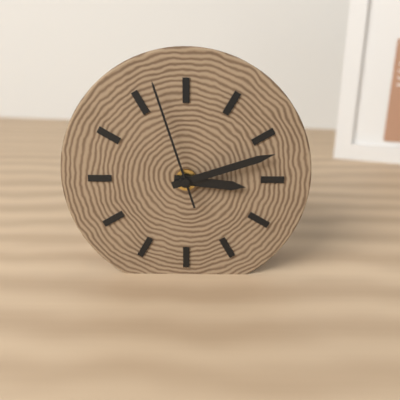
h=3 m=12 s=57
